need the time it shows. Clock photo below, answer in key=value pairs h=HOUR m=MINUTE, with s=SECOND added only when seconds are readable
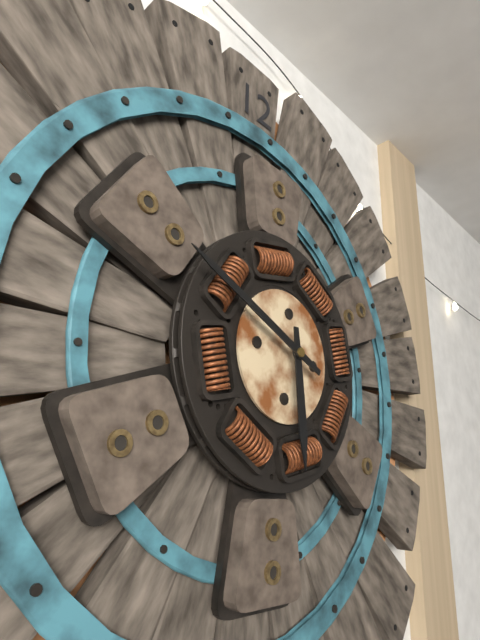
h=5 m=49
